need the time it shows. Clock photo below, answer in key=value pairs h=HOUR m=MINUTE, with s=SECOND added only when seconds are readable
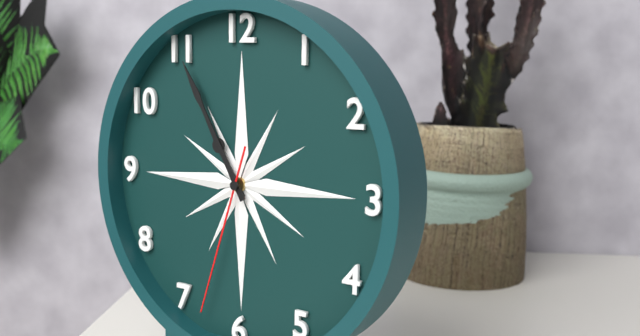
h=10 m=55 s=33
